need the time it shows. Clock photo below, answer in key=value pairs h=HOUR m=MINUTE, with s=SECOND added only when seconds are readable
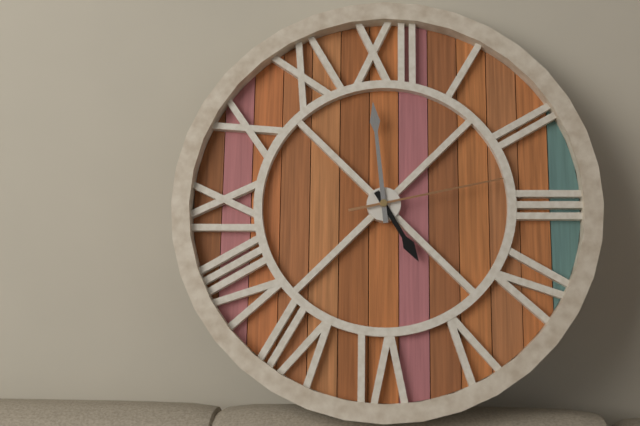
h=4 m=59 s=13
